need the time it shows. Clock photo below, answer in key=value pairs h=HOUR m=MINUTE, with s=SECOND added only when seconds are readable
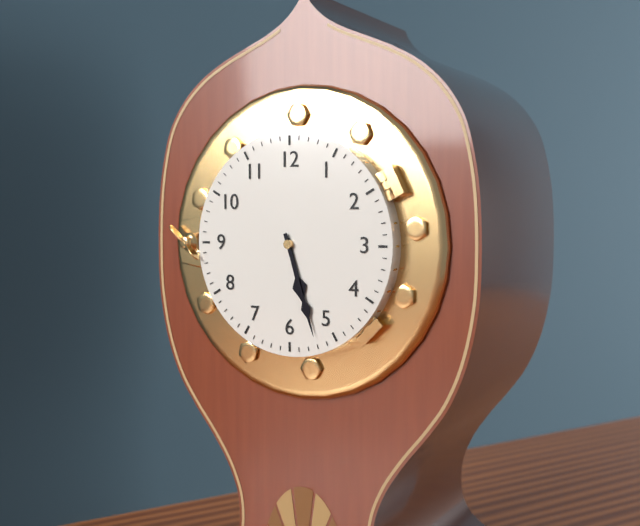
h=5 m=27
